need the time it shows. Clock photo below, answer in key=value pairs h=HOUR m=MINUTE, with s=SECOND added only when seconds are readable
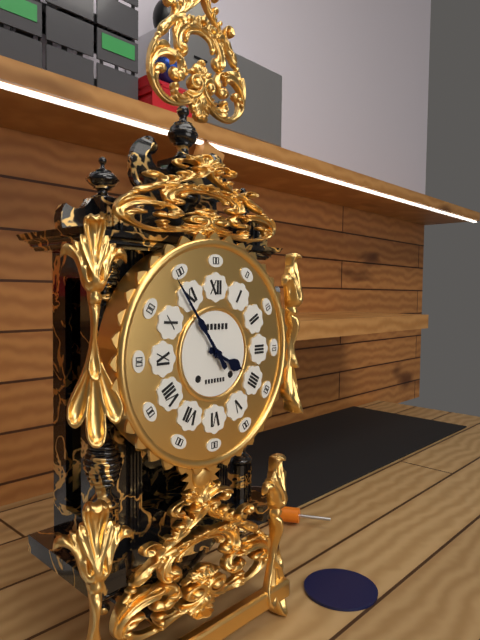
h=3 m=54
